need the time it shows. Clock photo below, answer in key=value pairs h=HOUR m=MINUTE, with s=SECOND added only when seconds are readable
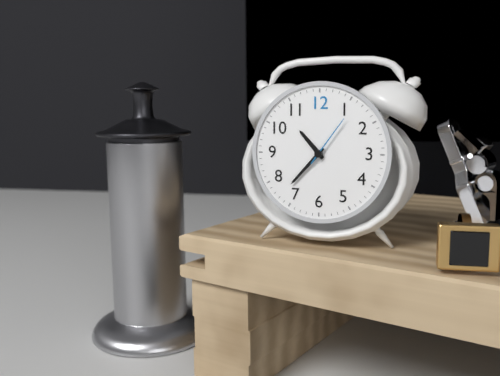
h=10 m=37 s=6
